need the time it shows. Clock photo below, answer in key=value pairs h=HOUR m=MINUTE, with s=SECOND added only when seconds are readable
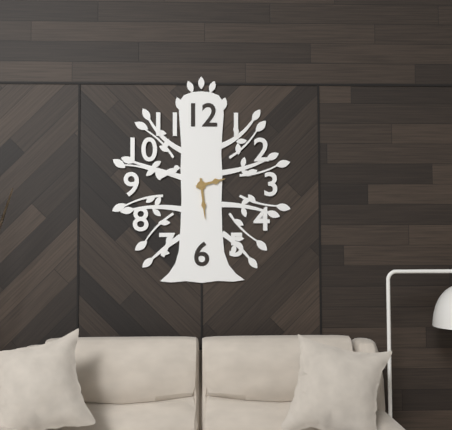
h=2 m=29
